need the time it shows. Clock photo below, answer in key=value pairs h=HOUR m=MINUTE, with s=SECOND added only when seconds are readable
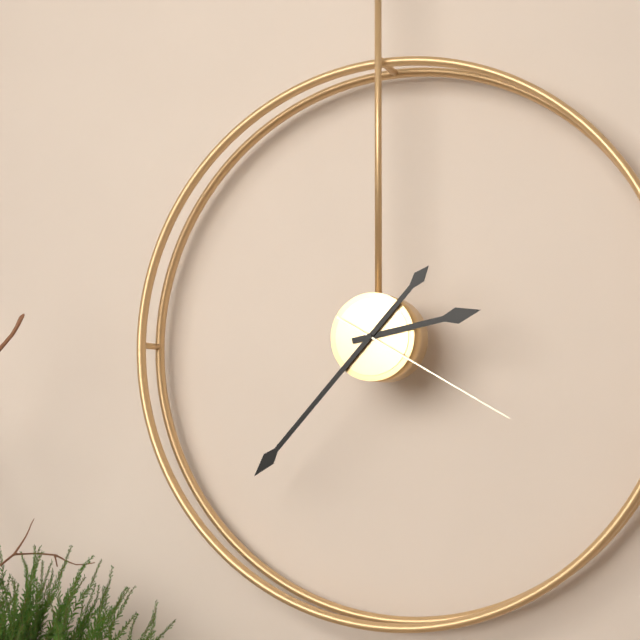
h=2 m=37 s=20
